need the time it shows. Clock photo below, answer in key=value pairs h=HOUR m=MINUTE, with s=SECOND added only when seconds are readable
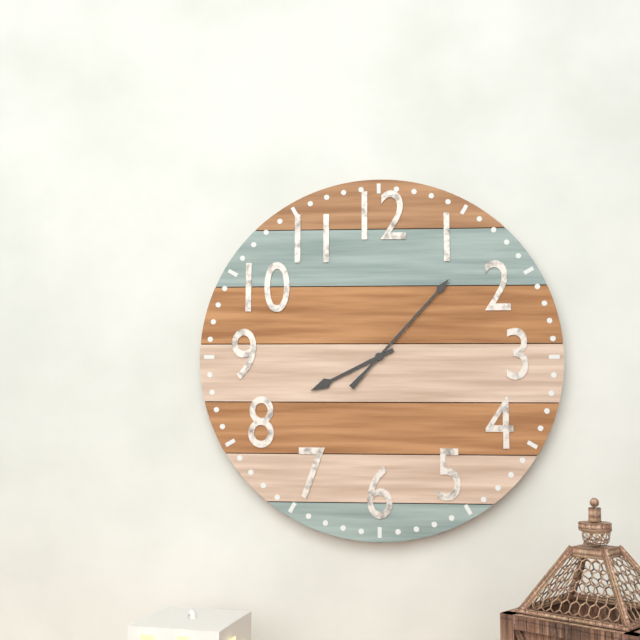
h=8 m=7
